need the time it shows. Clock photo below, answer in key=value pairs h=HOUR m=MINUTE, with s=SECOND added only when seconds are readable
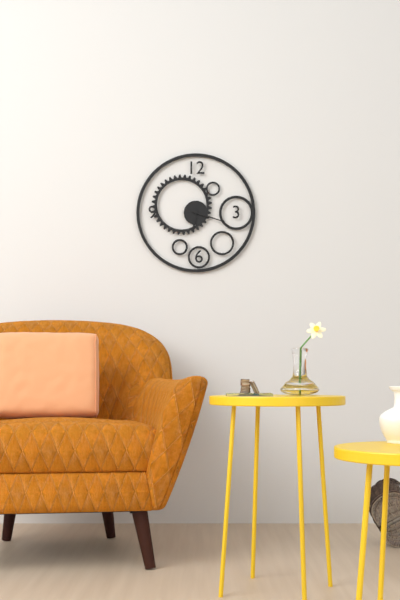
h=6 m=18
